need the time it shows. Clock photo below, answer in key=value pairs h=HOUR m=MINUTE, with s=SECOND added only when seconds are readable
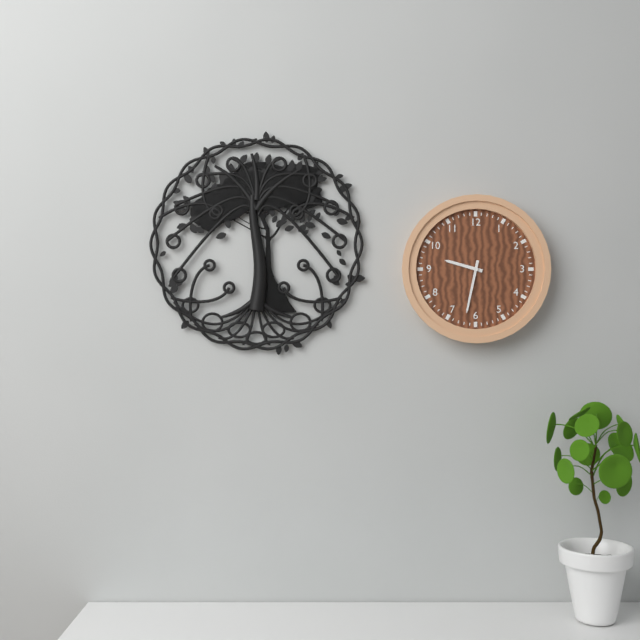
h=9 m=32
